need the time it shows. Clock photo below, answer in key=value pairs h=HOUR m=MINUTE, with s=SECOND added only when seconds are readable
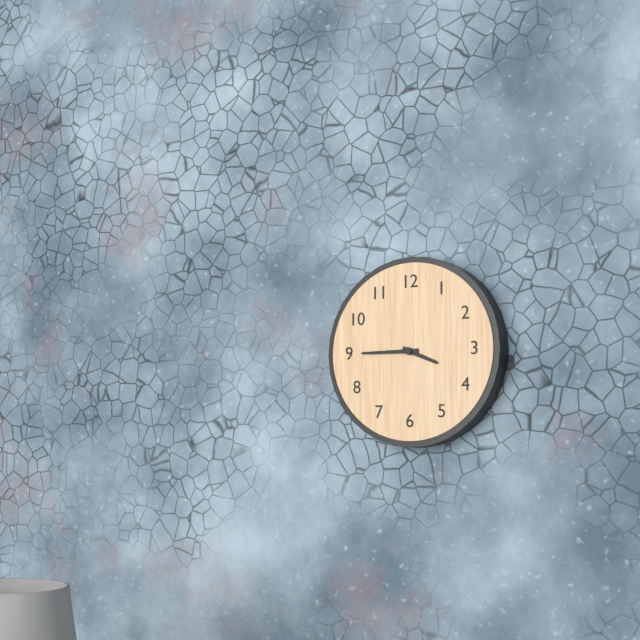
h=3 m=45
